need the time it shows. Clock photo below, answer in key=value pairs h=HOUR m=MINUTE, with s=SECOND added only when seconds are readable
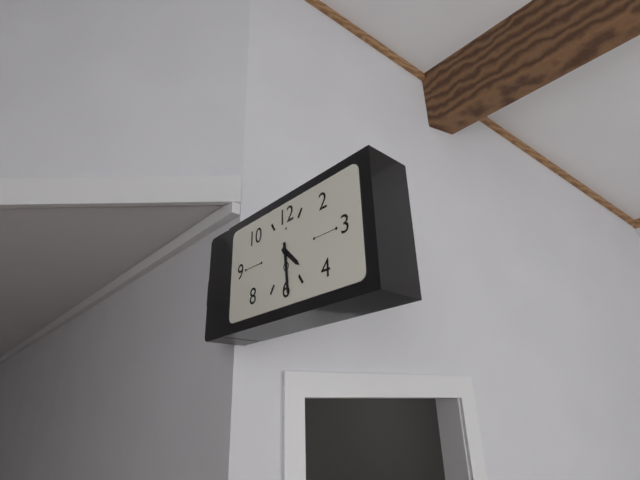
h=4 m=29
